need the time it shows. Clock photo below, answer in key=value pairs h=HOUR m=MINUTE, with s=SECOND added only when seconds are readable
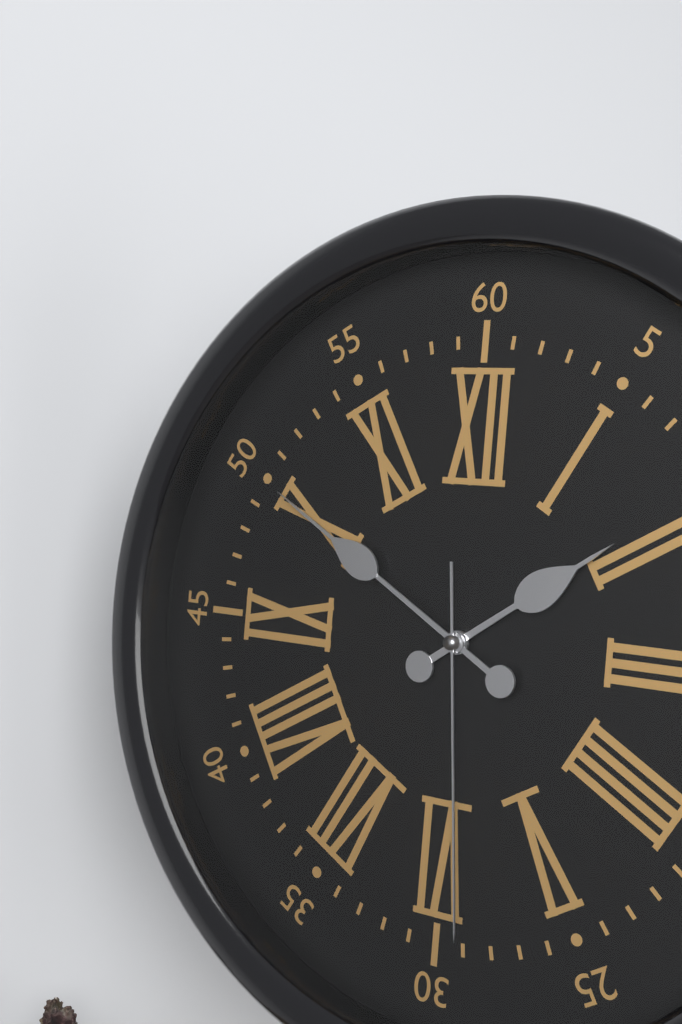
h=1 m=50 s=29
